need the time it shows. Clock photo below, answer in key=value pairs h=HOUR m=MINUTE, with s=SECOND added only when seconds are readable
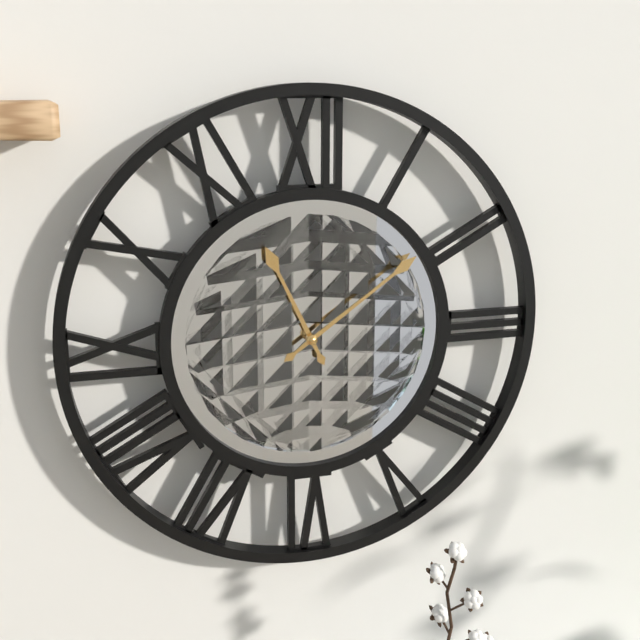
h=11 m=9
